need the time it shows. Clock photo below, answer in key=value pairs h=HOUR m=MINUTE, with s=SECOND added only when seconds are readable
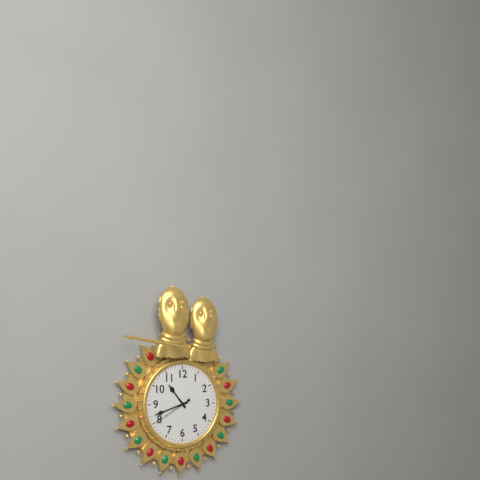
h=10 m=42
